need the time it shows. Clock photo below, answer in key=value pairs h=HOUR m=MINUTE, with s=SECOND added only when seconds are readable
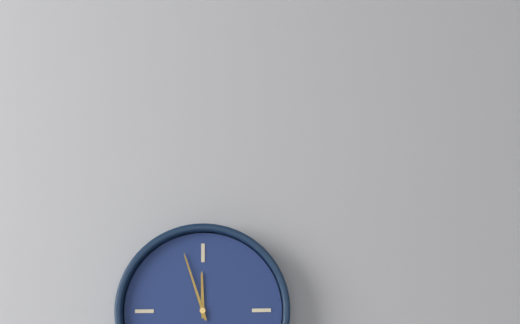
h=11 m=57
